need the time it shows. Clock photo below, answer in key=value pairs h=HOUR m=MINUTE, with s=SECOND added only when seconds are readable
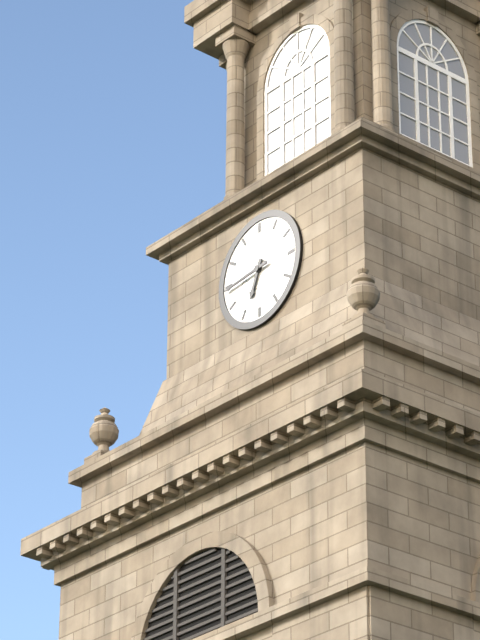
h=6 m=44
